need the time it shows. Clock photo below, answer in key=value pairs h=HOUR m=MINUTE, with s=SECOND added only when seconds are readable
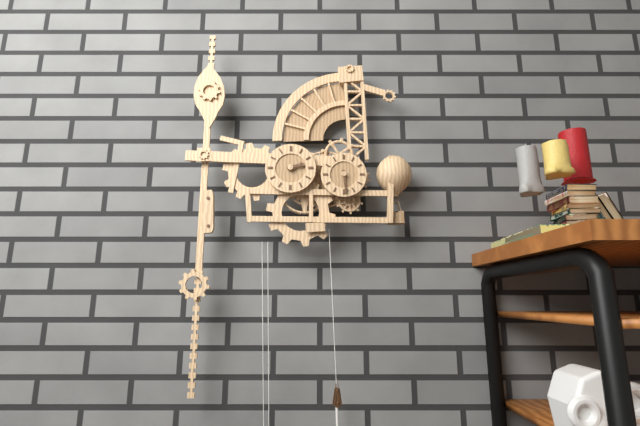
h=2 m=29
